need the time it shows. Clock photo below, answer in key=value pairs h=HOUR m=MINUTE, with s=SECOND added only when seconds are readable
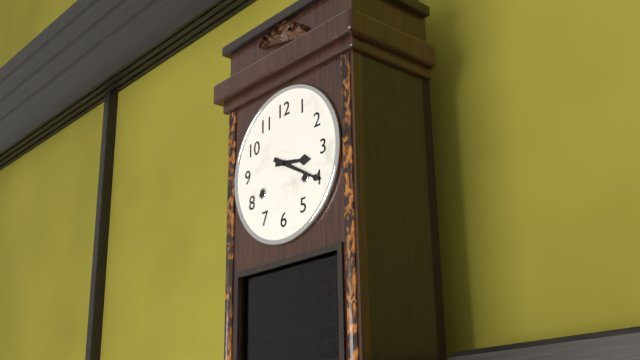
h=3 m=20
